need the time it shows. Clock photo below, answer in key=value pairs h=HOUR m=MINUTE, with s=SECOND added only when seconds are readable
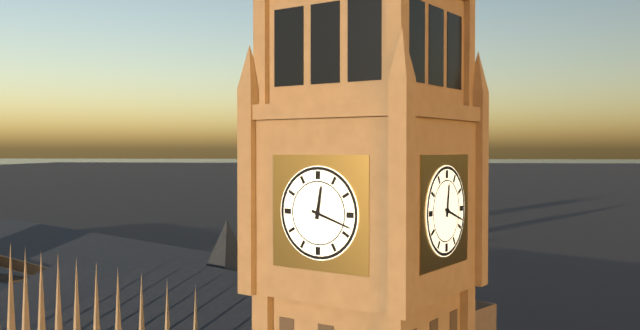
h=12 m=18
